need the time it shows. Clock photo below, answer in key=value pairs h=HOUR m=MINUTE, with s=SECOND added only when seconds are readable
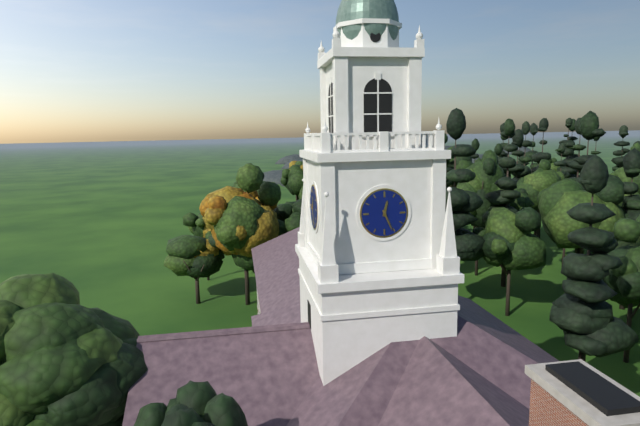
h=12 m=26
